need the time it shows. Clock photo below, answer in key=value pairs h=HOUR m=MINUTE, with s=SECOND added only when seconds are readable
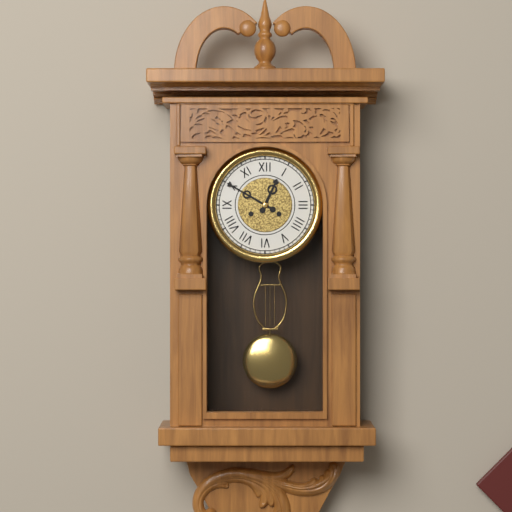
h=12 m=50
